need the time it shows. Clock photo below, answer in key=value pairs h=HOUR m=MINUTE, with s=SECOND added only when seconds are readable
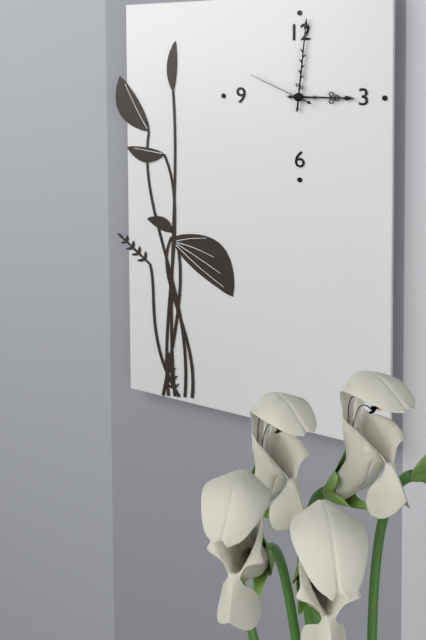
h=3 m=1 s=49
